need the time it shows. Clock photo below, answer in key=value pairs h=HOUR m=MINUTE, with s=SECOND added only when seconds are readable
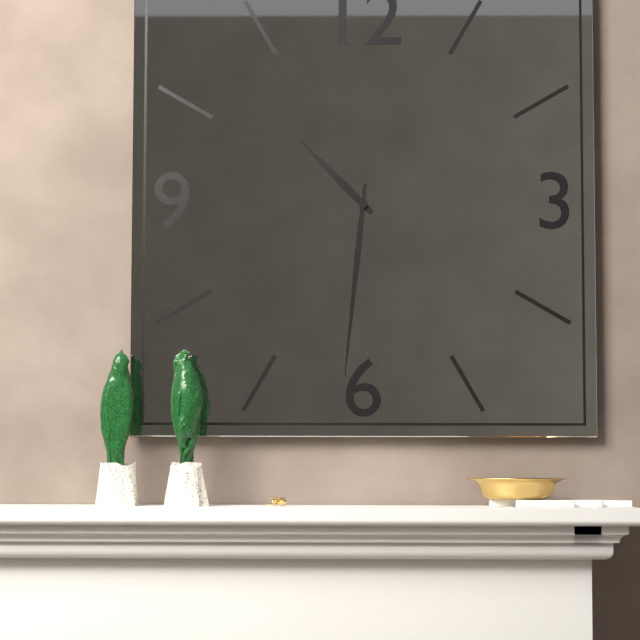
h=10 m=31
